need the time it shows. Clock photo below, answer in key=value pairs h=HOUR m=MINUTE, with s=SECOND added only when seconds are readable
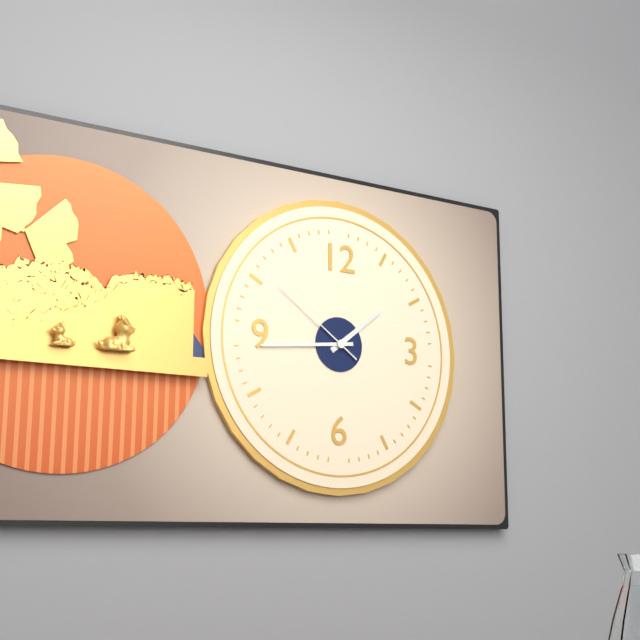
h=1 m=44 s=51
